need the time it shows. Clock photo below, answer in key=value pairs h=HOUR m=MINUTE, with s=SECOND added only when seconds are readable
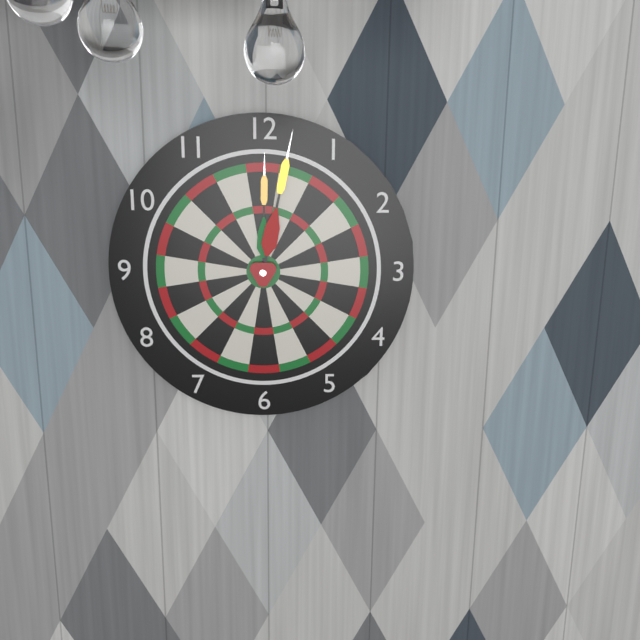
h=12 m=2
